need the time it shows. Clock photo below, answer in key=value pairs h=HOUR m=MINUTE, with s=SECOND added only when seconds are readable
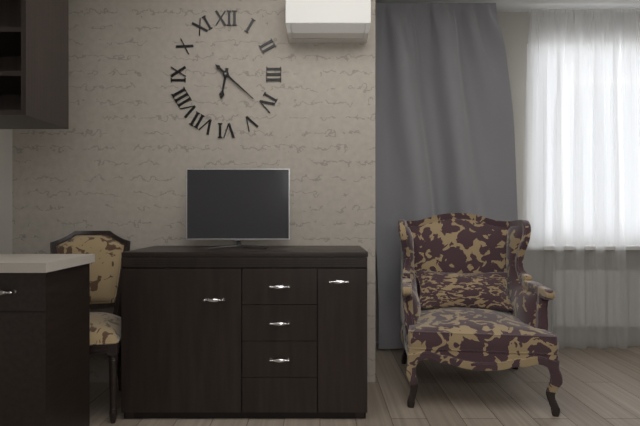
h=6 m=22
